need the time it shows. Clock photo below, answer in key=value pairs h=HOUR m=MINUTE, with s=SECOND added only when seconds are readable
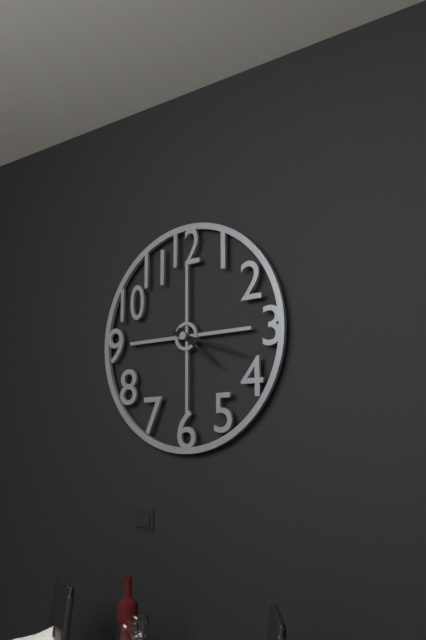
h=4 m=18
